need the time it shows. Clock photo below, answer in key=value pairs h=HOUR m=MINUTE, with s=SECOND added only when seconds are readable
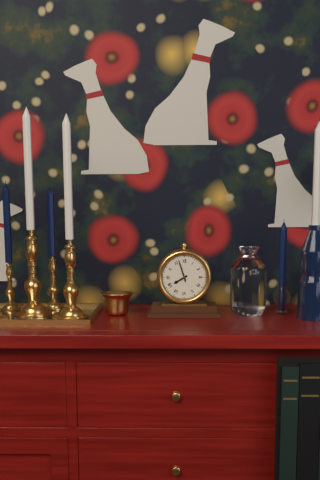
h=7 m=57
